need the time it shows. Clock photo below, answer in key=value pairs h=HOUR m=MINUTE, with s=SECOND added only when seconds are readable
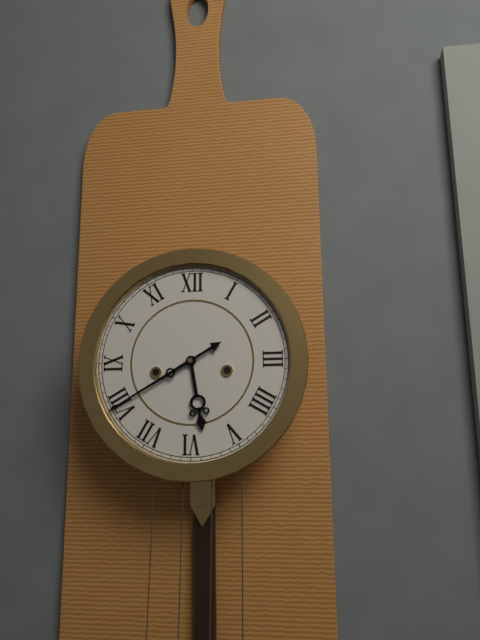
h=5 m=40
